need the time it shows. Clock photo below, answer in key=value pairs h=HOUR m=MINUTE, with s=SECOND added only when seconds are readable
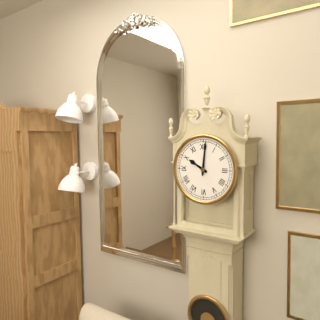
h=10 m=1
